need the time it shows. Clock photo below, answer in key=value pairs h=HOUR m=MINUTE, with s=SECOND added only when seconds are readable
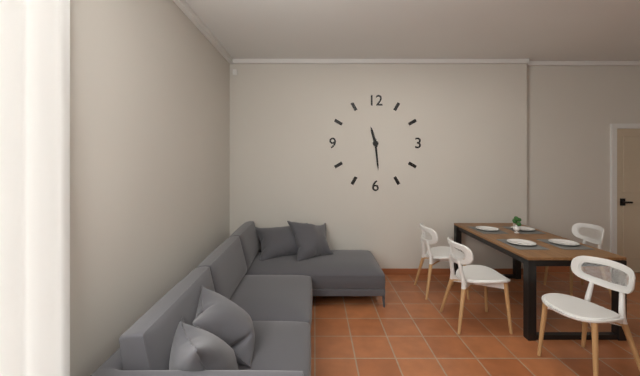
h=11 m=29
